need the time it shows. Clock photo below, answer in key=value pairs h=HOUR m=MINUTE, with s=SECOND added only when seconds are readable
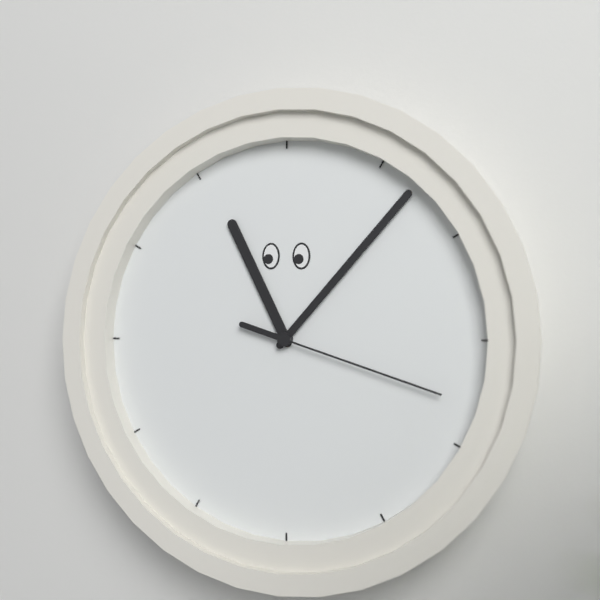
h=11 m=7 s=18
